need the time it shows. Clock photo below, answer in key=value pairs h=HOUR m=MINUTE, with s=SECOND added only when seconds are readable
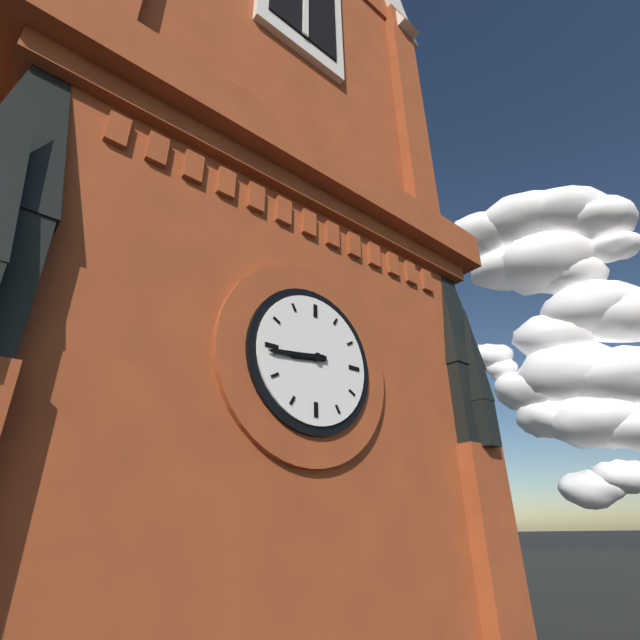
h=8 m=44
